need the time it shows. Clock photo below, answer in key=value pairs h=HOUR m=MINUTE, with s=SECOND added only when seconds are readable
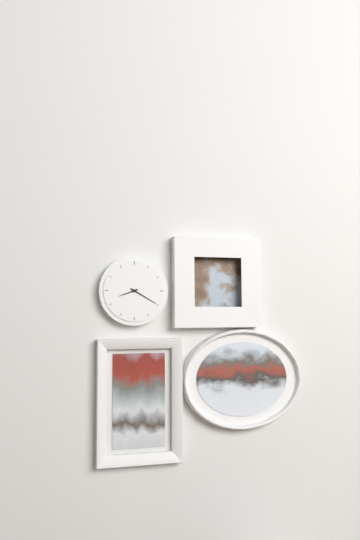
h=8 m=20
